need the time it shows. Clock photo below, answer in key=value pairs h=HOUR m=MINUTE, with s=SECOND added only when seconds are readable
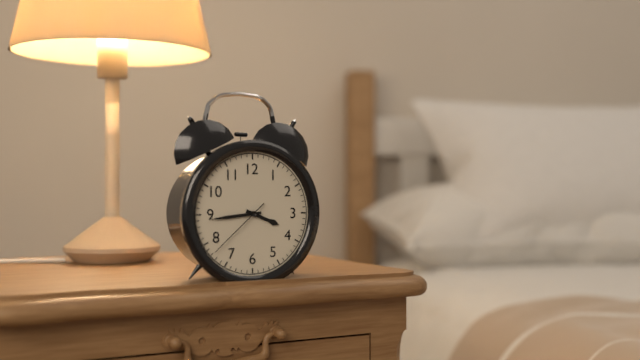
h=3 m=44 s=38
